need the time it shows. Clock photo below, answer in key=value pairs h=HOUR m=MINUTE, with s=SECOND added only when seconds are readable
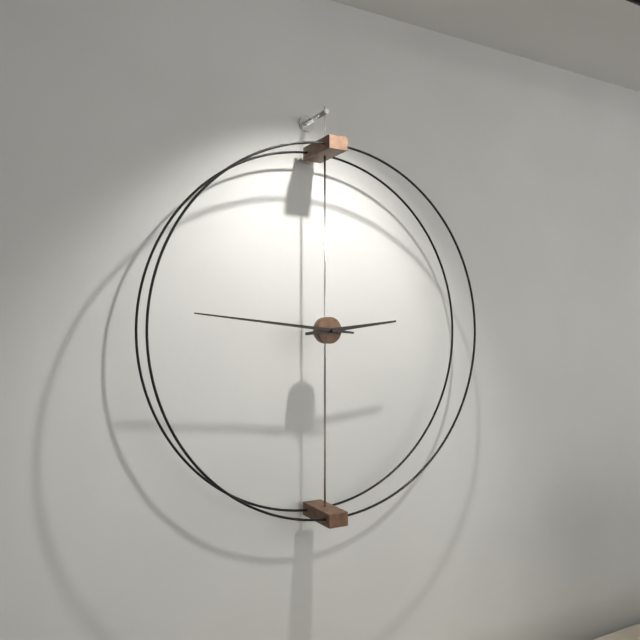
h=2 m=46
